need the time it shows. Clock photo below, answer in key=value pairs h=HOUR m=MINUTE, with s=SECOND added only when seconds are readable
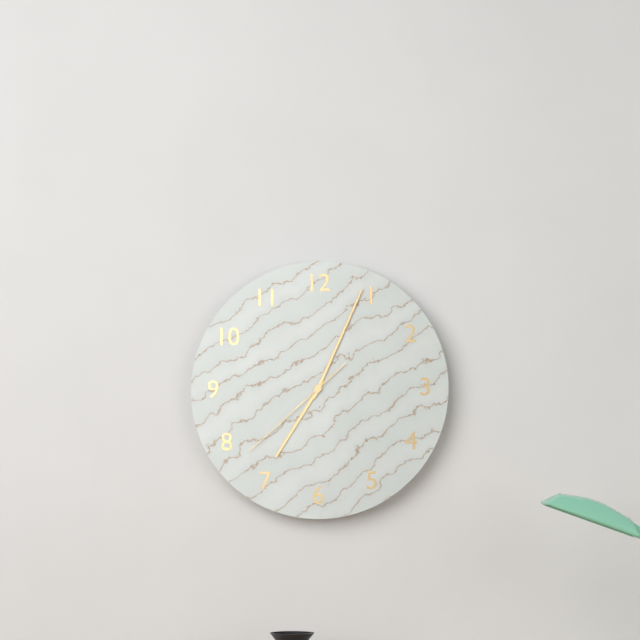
h=7 m=4 s=38
